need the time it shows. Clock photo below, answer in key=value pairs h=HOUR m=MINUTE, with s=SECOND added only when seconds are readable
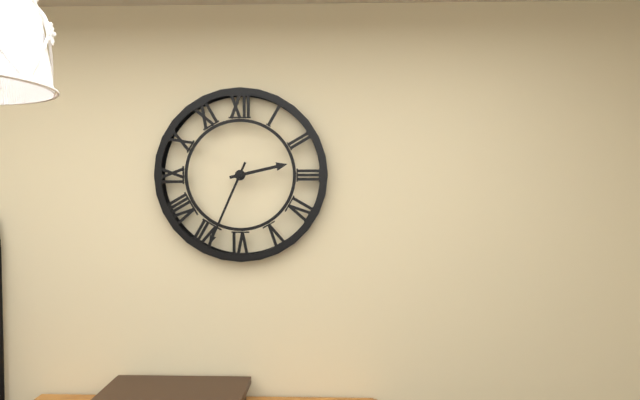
h=2 m=34
